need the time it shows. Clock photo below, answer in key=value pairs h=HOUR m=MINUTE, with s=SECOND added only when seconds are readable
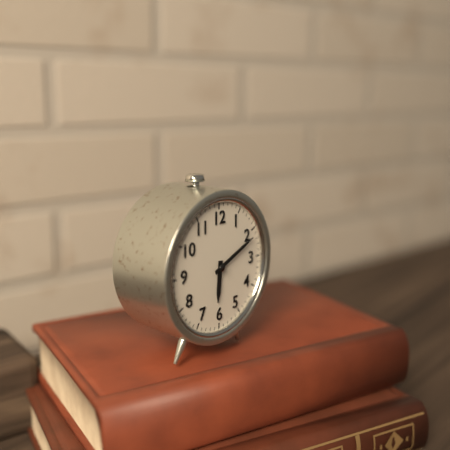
h=6 m=11
